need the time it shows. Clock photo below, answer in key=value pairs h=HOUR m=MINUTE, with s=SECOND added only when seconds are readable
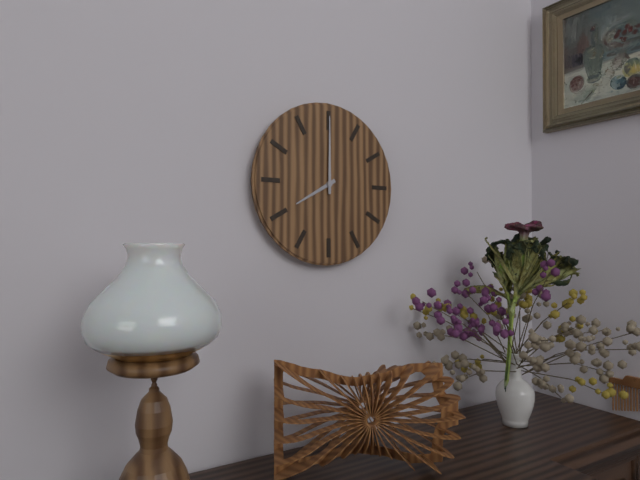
h=8 m=0
